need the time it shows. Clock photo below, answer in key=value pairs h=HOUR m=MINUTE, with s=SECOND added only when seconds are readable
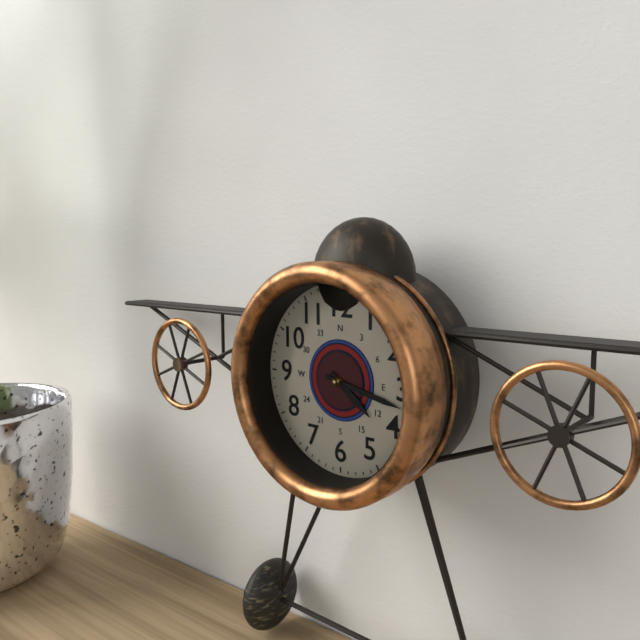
h=4 m=17
